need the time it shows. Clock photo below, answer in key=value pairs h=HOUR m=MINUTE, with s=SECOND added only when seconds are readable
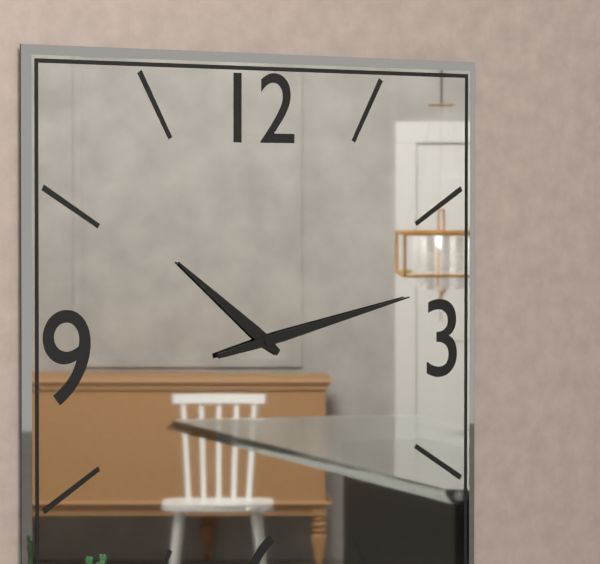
h=10 m=13
